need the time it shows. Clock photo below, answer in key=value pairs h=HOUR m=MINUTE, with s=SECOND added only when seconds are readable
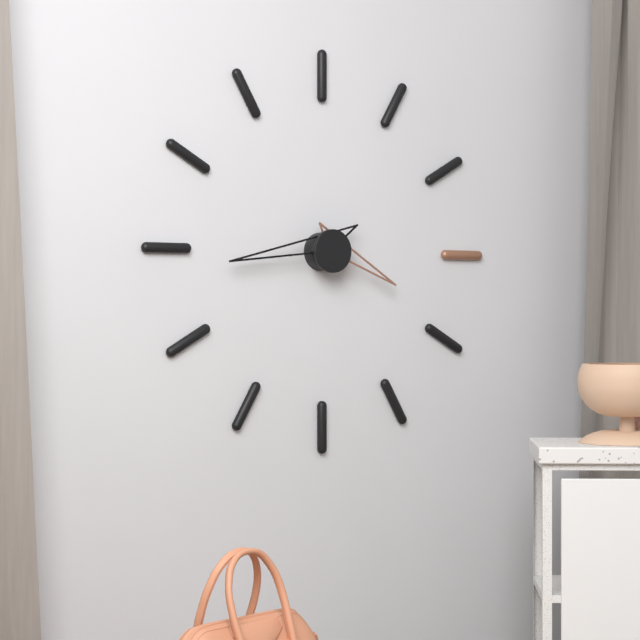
h=3 m=44
